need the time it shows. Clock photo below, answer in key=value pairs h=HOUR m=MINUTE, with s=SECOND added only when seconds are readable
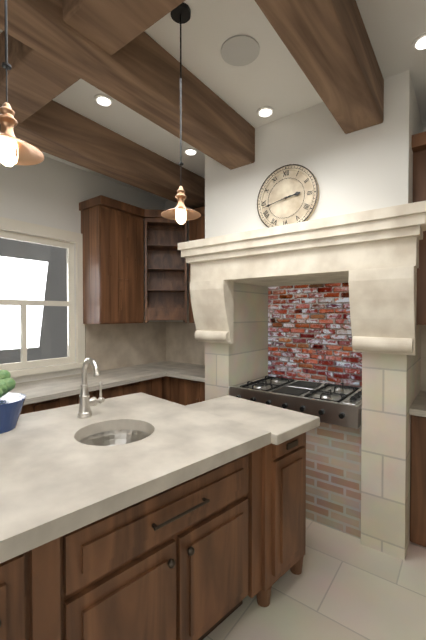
h=2 m=43
